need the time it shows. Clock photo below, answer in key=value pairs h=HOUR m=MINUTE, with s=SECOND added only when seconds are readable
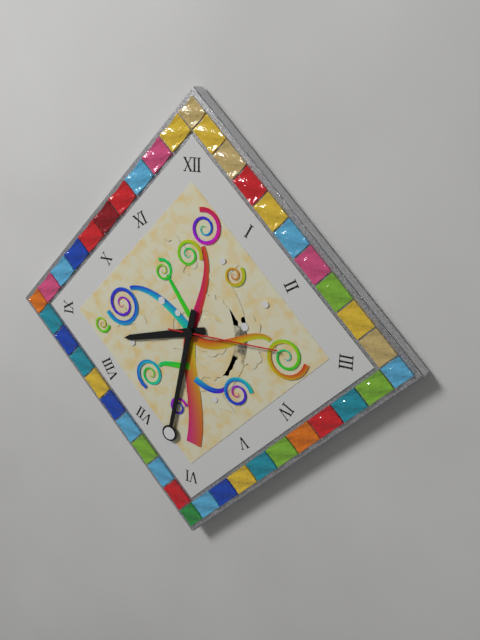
h=8 m=32 s=15
